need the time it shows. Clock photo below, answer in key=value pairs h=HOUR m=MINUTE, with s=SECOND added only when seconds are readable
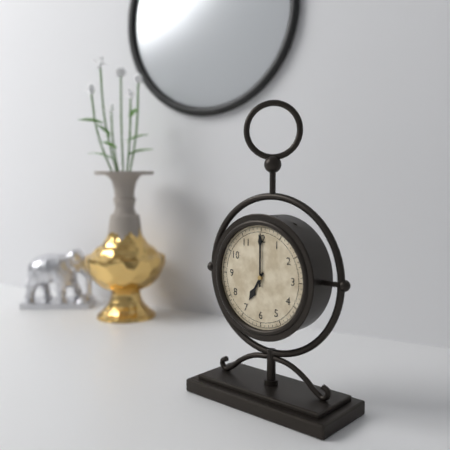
h=7 m=0
